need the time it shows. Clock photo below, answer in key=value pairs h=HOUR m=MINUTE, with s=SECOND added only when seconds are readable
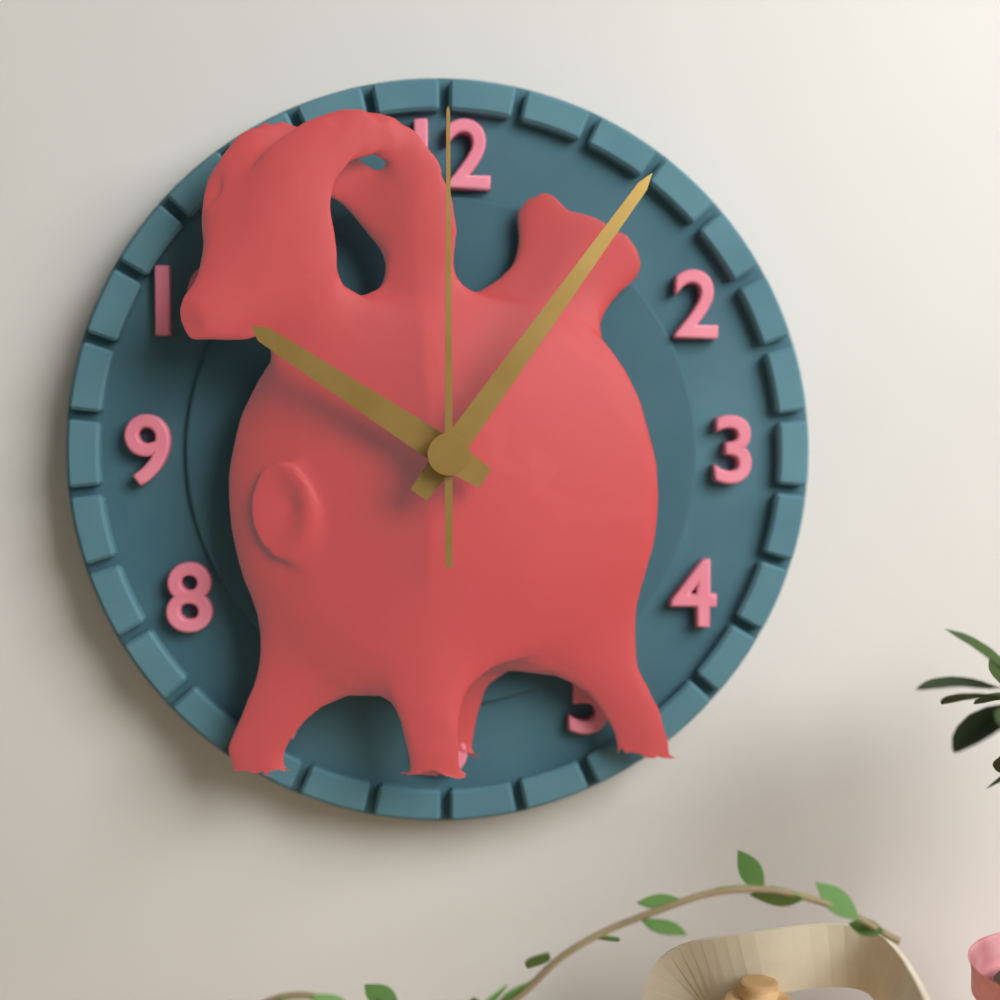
h=10 m=6 s=0
